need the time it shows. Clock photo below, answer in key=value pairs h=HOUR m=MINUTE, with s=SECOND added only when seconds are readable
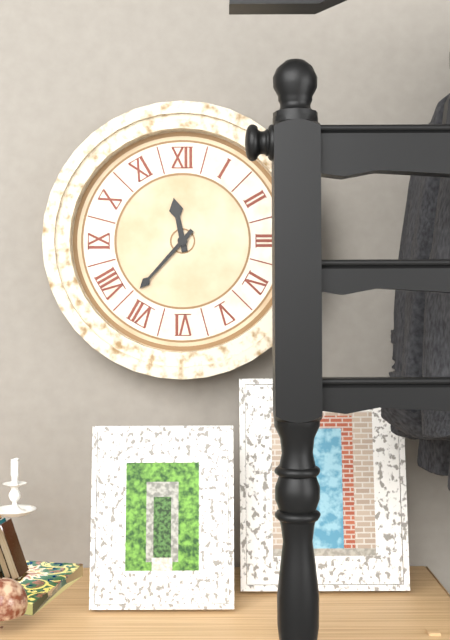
h=11 m=37
